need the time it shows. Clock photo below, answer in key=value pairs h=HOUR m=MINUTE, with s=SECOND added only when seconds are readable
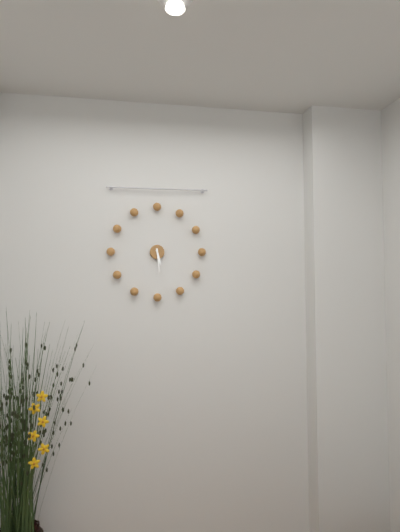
h=5 m=29
